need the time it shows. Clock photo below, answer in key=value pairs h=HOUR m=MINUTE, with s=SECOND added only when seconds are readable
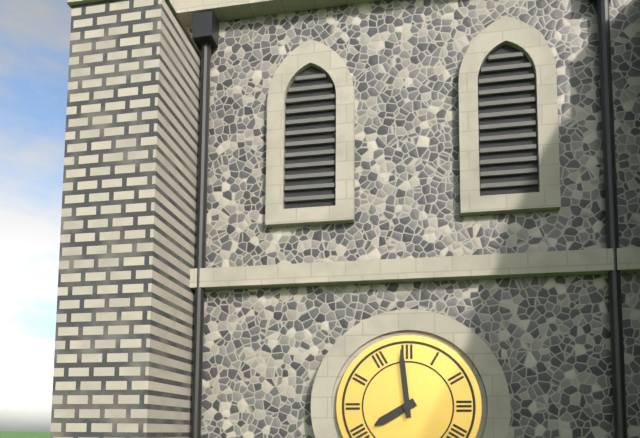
h=7 m=59
